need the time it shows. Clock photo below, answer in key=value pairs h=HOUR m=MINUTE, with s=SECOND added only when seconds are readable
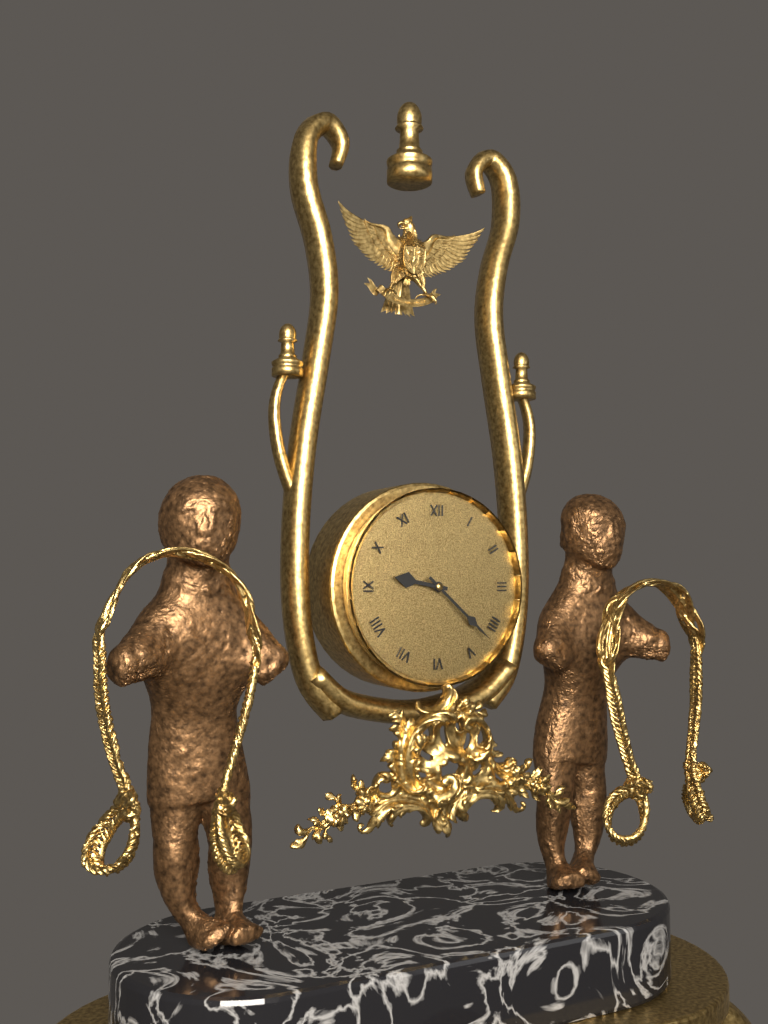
h=9 m=22
